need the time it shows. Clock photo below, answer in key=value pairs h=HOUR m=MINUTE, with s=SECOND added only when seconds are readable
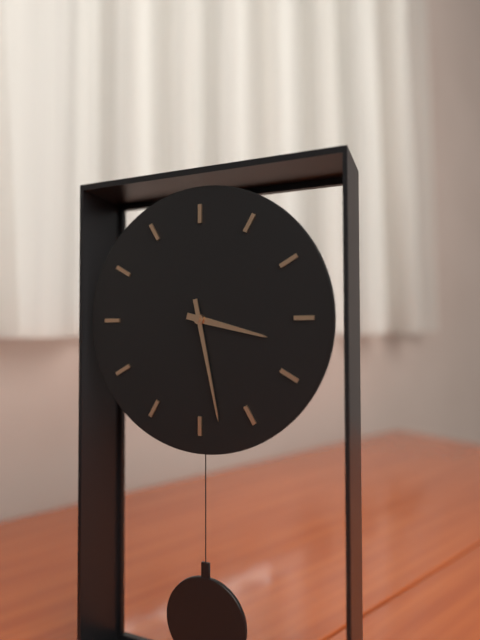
h=3 m=28
